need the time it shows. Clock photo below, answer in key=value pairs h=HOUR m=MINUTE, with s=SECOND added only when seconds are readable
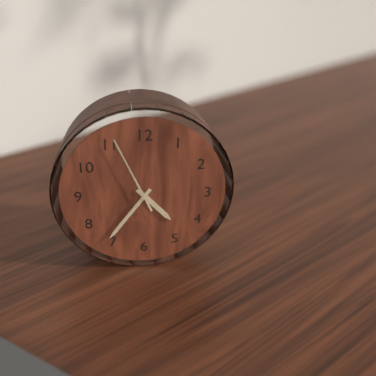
h=4 m=36 s=56
